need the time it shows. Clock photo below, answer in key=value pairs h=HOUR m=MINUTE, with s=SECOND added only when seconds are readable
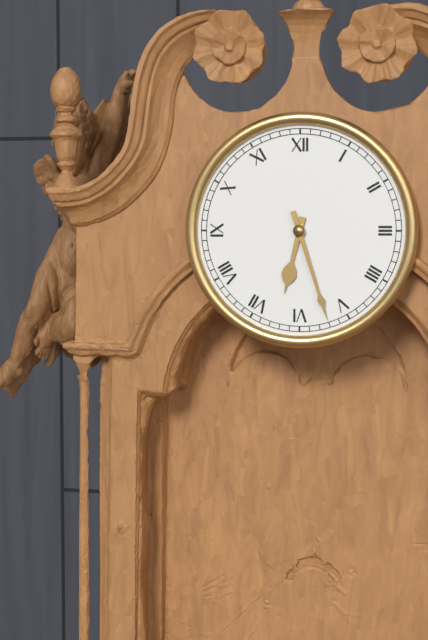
h=6 m=27
